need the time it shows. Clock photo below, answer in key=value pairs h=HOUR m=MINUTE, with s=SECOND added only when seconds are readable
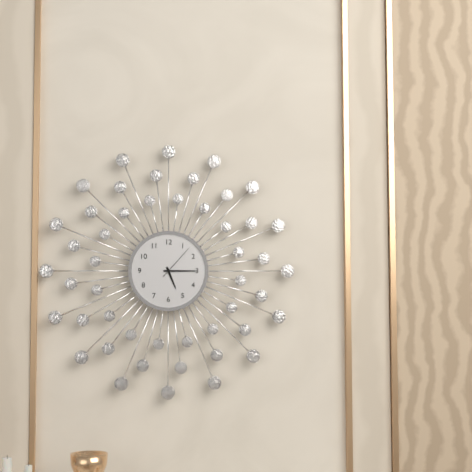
h=5 m=15
